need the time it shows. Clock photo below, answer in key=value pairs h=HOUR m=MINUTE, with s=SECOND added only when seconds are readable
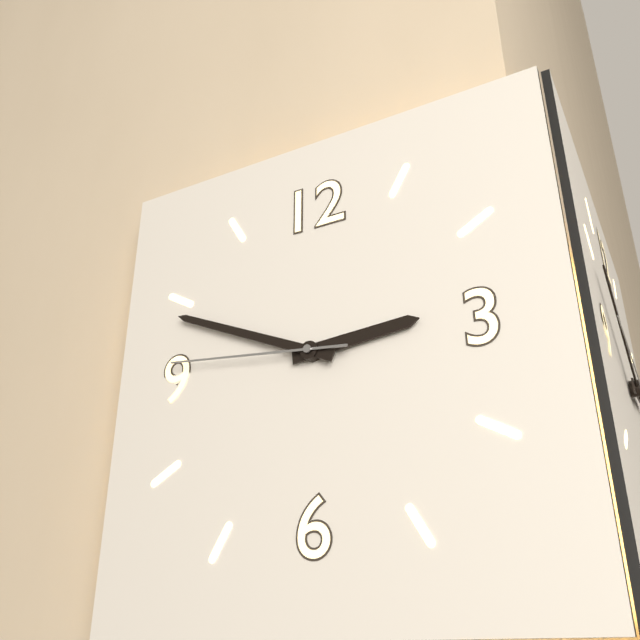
h=2 m=49 s=46
